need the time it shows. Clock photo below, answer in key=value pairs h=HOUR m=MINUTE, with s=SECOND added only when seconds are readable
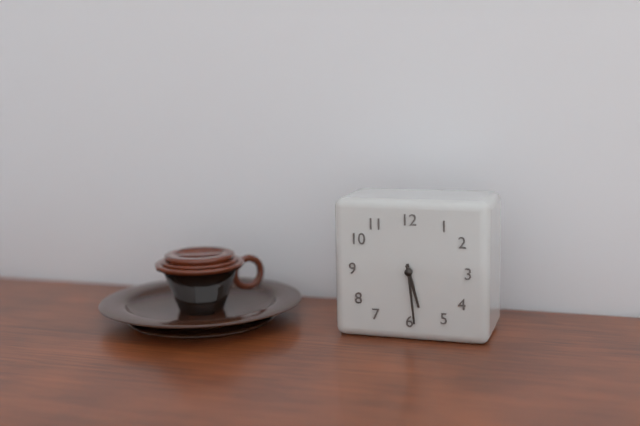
h=5 m=29
